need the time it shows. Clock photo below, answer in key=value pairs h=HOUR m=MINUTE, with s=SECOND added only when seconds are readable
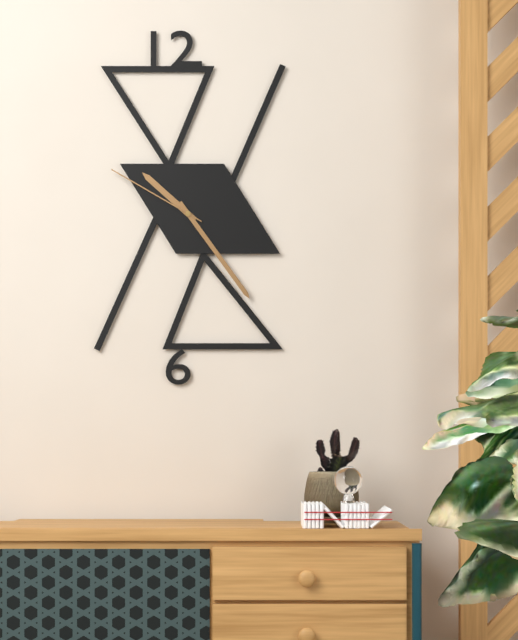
h=10 m=24 s=50
